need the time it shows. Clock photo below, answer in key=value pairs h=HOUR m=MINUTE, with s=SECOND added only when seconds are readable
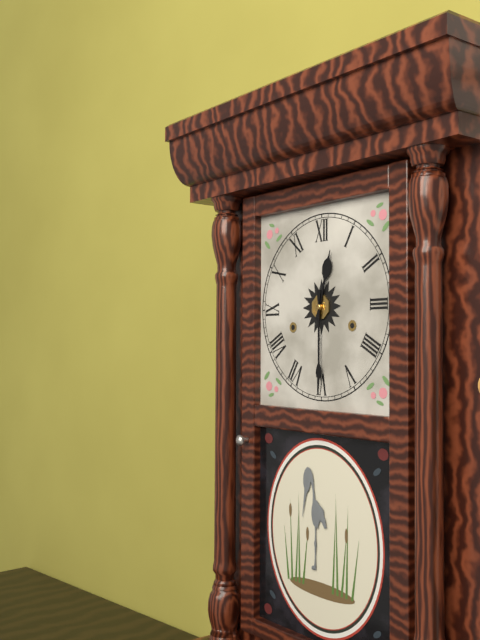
h=12 m=30
